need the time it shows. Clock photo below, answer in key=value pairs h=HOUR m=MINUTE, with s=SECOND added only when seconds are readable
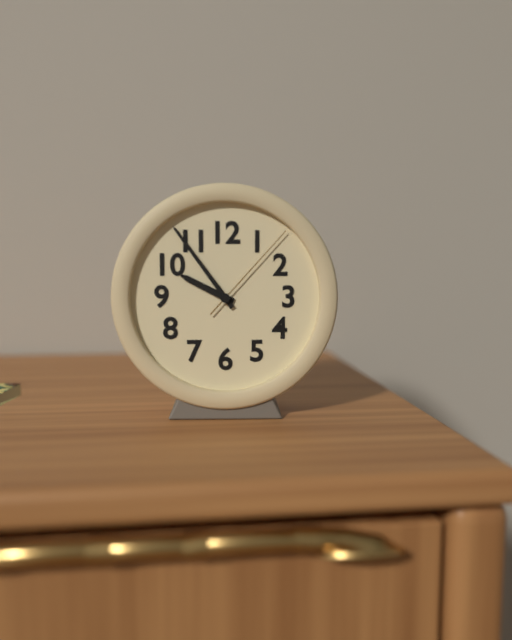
h=9 m=54 s=7
